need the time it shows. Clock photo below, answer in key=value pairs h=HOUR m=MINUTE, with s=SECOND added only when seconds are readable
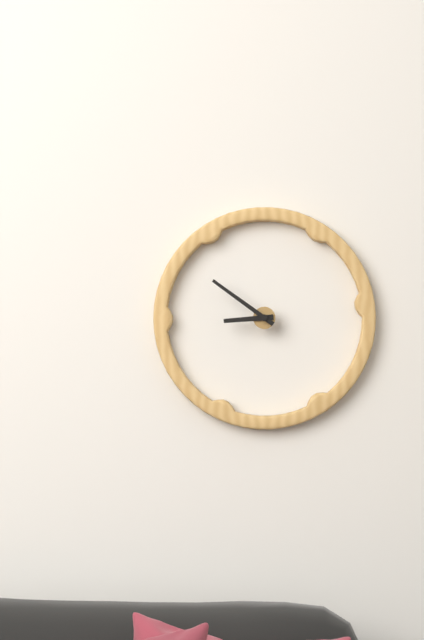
h=8 m=51
